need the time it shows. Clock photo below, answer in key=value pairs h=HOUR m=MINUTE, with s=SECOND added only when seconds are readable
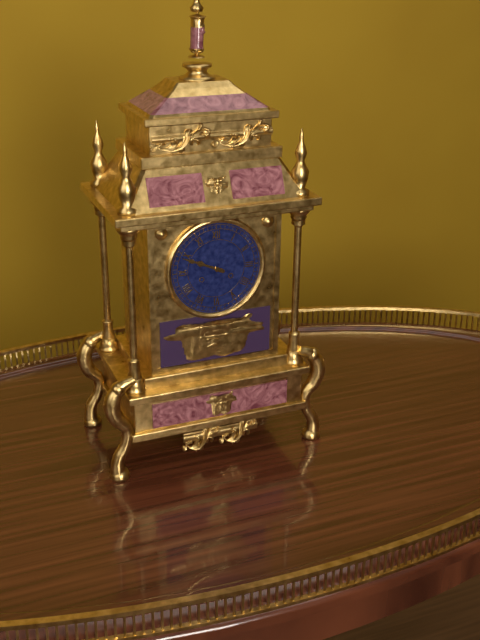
h=9 m=49
